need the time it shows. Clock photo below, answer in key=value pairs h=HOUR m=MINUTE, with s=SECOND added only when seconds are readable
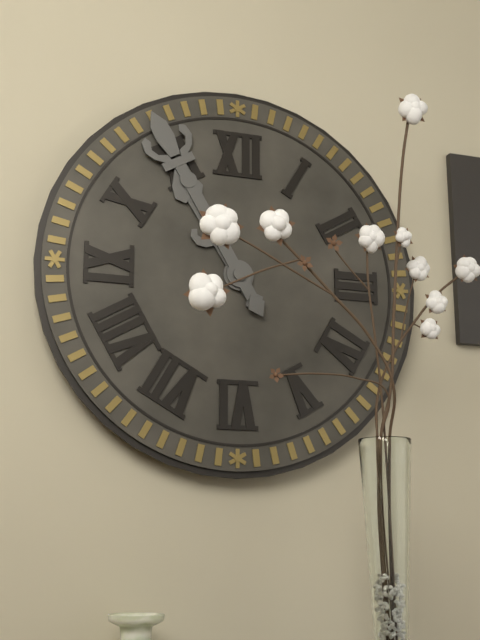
h=10 m=55
